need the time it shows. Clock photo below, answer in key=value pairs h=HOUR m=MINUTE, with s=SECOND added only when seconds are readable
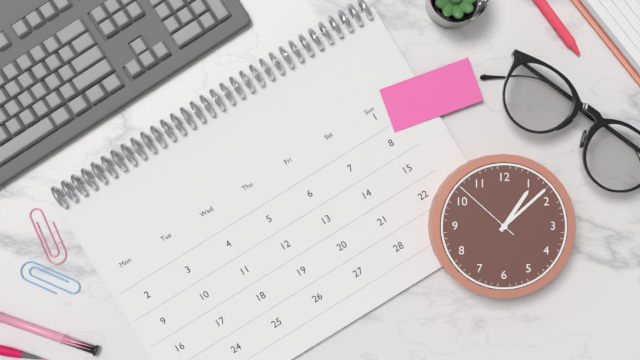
h=1 m=8 s=52
